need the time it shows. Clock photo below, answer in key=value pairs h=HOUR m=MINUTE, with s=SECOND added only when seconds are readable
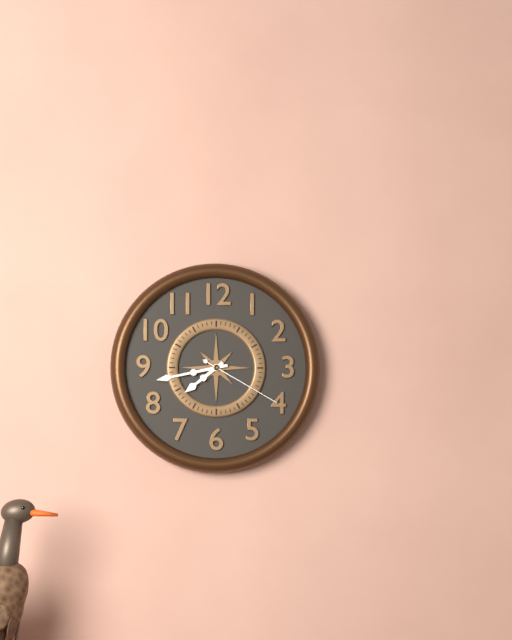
h=7 m=43 s=20
